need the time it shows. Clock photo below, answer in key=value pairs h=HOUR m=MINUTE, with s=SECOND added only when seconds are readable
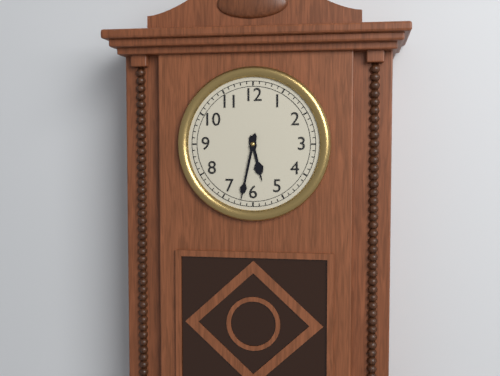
h=5 m=32
